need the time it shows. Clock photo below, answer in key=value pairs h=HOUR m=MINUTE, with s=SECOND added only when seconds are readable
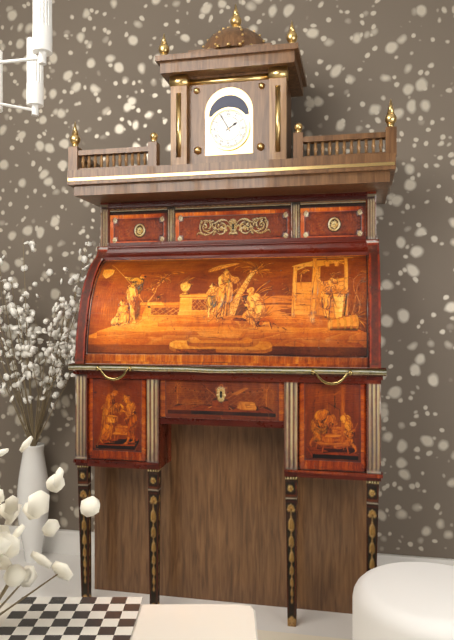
h=1 m=55
